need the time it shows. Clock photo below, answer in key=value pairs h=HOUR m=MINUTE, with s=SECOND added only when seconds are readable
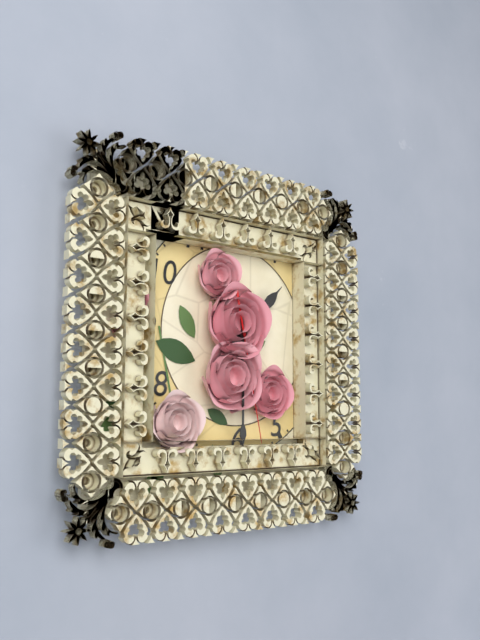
h=1 m=30 s=28
